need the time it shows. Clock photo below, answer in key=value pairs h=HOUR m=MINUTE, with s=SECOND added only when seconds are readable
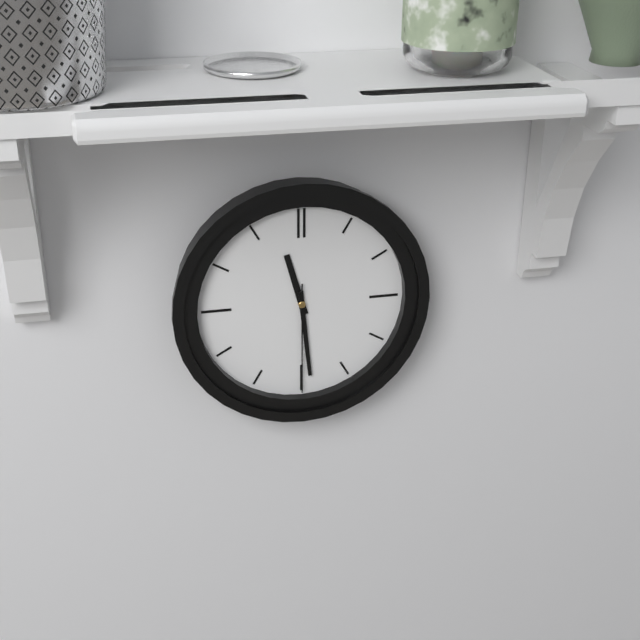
h=11 m=29 s=30
